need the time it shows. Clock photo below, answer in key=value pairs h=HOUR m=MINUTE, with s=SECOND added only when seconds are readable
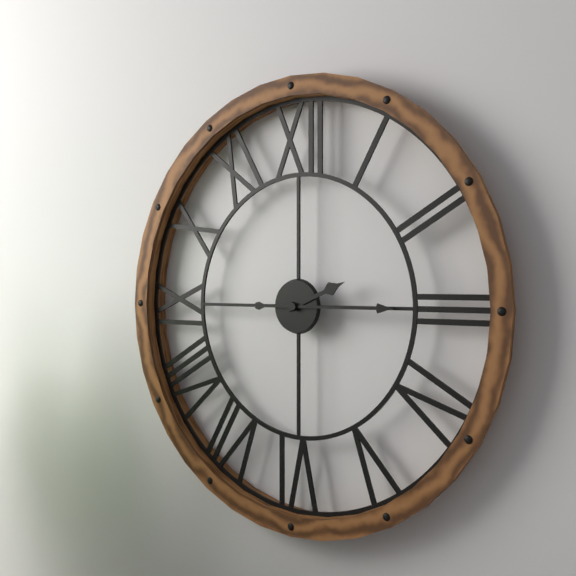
h=2 m=15
